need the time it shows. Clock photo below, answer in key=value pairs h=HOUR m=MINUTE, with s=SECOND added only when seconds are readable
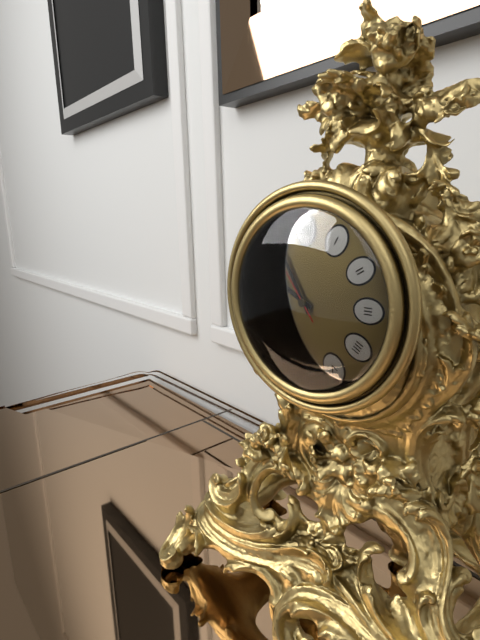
h=9 m=55 s=54
